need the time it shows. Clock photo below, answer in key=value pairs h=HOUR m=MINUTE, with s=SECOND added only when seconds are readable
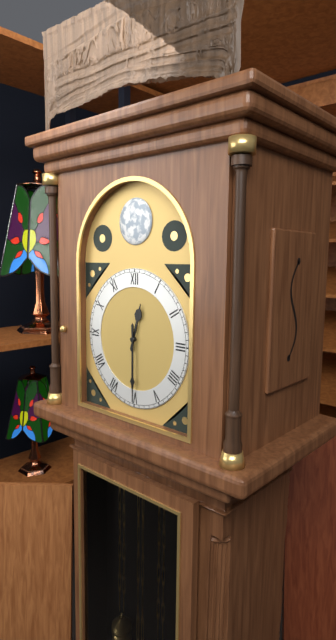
h=12 m=30
